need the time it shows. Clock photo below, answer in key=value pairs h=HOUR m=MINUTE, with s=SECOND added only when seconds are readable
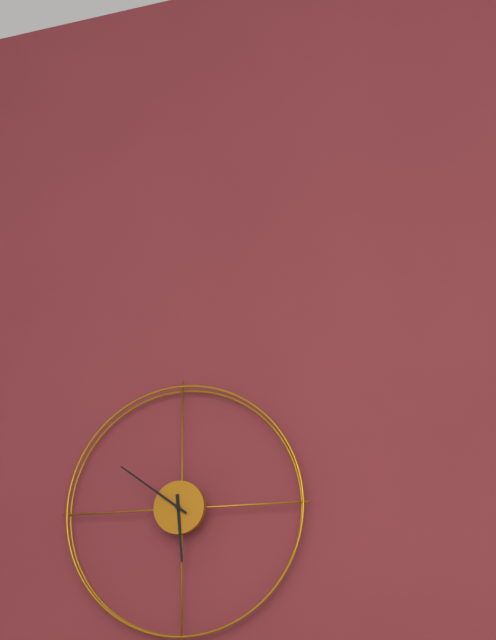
h=5 m=51
